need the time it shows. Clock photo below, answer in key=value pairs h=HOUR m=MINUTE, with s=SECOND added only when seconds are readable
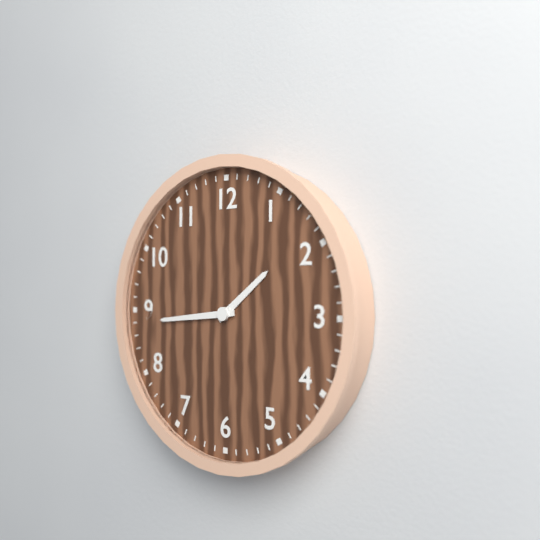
h=1 m=44
